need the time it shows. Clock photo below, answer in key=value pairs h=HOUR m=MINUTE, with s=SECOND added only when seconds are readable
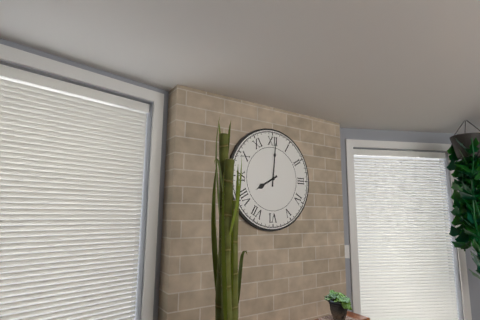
h=8 m=1
